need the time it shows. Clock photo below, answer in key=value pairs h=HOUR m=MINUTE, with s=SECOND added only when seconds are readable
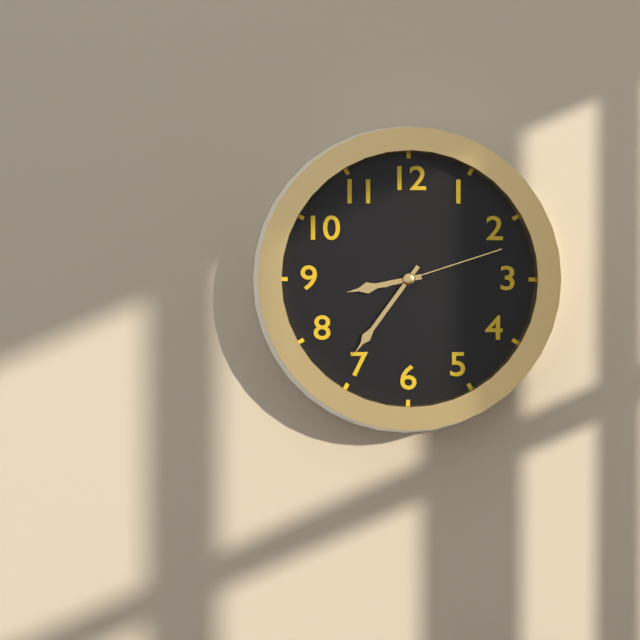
h=8 m=36 s=12
